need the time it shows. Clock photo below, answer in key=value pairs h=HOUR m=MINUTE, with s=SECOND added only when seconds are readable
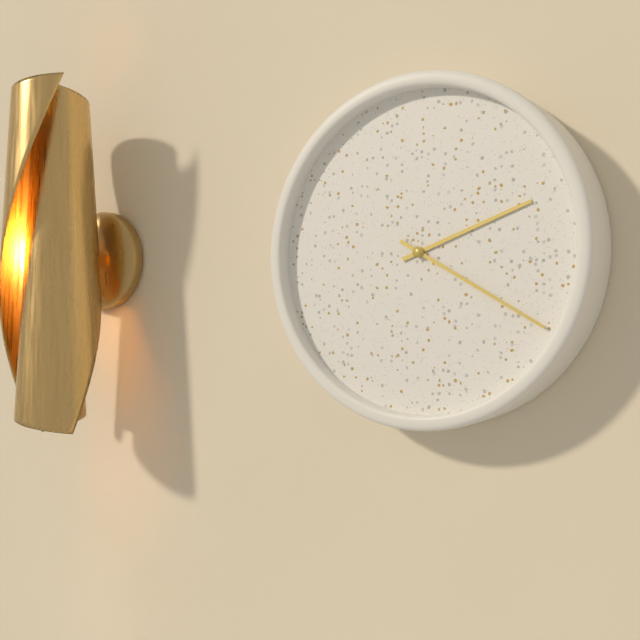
h=2 m=20
